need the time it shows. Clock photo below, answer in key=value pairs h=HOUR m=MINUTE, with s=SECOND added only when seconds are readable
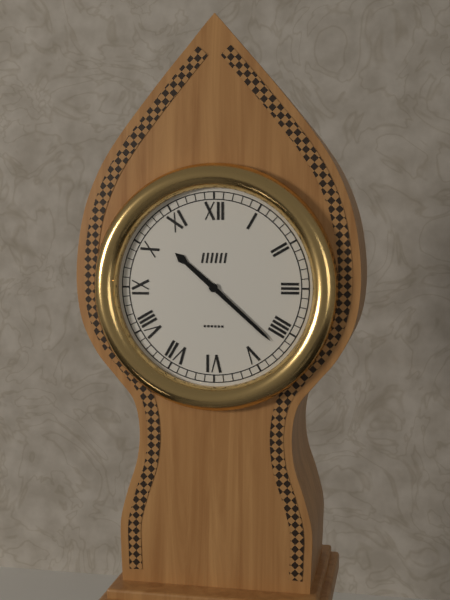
h=10 m=22
